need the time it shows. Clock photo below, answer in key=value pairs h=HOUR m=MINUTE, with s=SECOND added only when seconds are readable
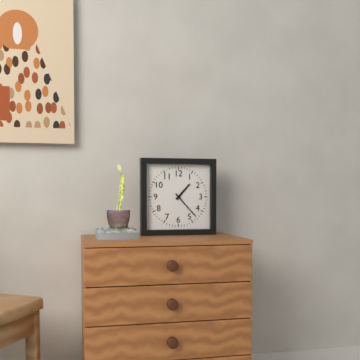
h=1 m=23
